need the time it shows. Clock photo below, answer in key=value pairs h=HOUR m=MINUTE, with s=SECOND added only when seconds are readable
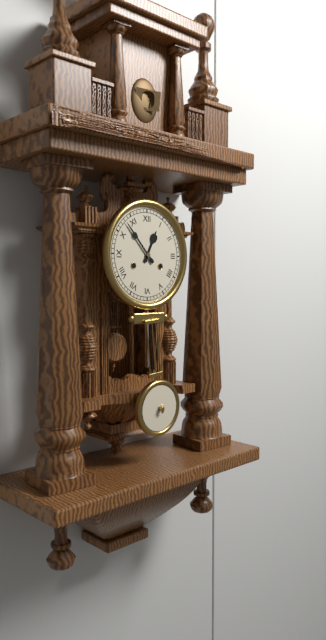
h=12 m=53
